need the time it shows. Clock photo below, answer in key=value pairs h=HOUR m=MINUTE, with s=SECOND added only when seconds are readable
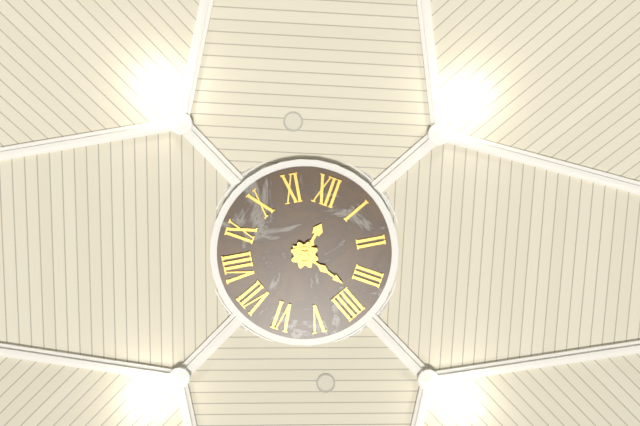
h=12 m=18
